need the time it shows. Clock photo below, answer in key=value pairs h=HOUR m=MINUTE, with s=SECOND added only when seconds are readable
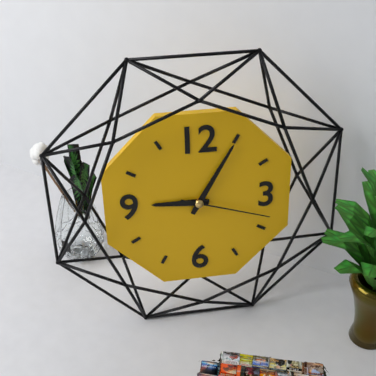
h=9 m=5 s=18
